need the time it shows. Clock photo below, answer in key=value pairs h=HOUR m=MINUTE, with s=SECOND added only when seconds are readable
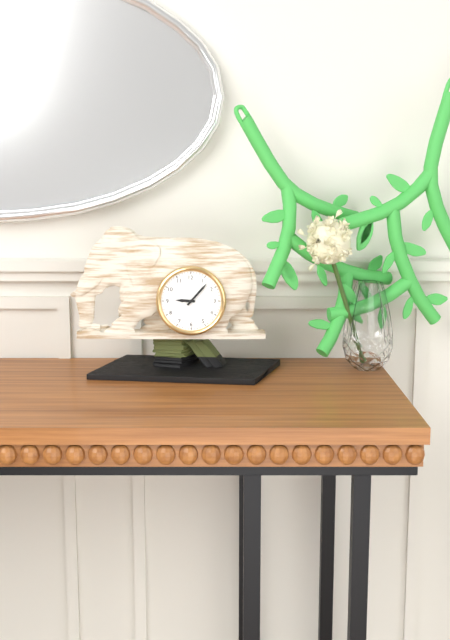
h=9 m=7
